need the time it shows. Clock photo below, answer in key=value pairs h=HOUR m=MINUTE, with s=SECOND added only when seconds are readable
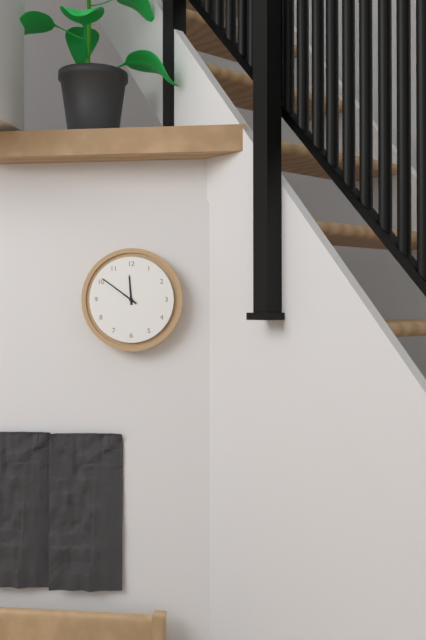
h=11 m=51
